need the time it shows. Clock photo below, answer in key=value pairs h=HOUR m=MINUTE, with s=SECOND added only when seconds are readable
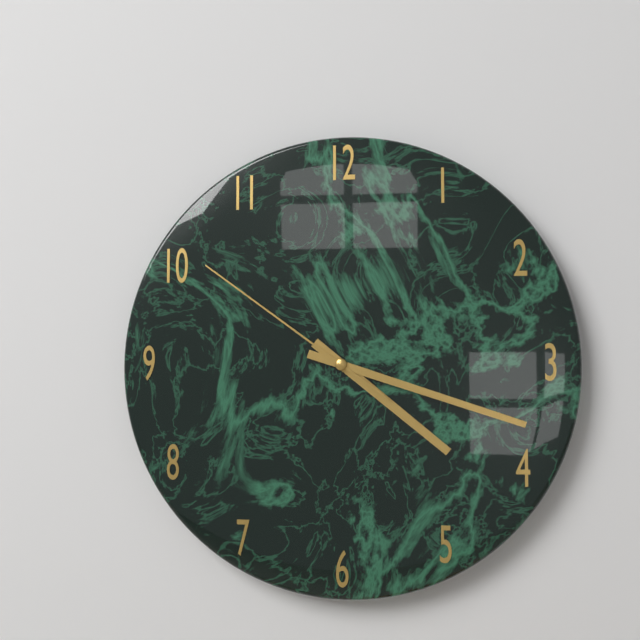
h=4 m=18 s=51
